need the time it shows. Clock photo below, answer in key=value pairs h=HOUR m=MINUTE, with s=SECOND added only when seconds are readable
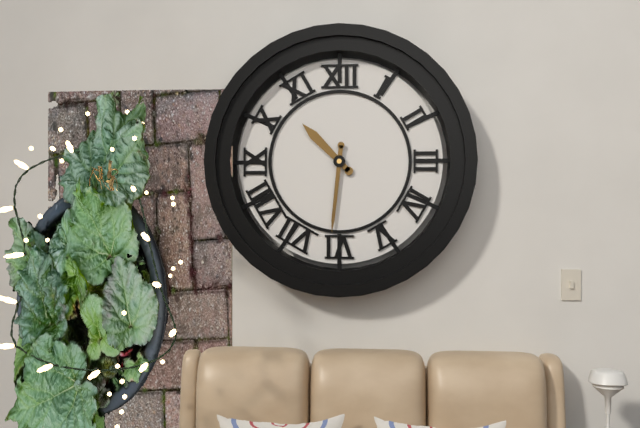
h=10 m=31
